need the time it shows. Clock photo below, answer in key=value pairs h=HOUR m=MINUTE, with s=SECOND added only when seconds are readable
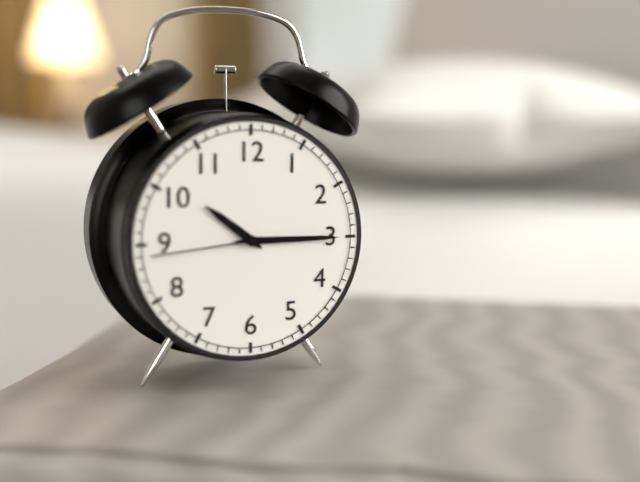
h=10 m=15 s=44
